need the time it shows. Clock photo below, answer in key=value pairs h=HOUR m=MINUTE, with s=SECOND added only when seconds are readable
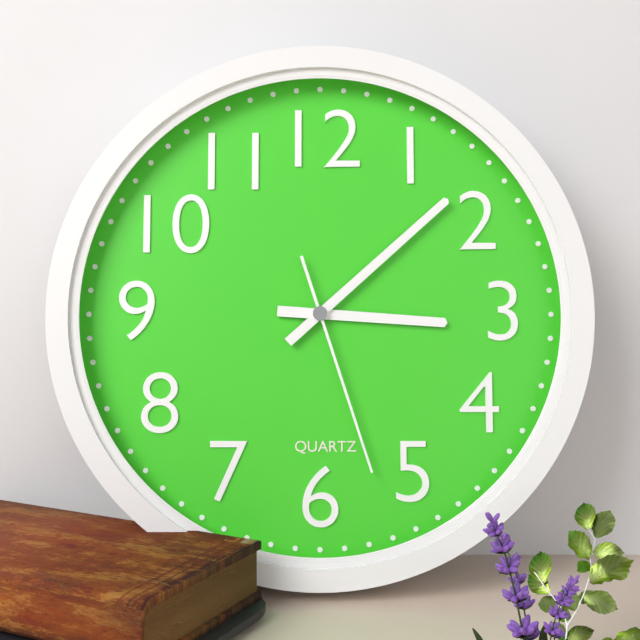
h=3 m=8 s=27
